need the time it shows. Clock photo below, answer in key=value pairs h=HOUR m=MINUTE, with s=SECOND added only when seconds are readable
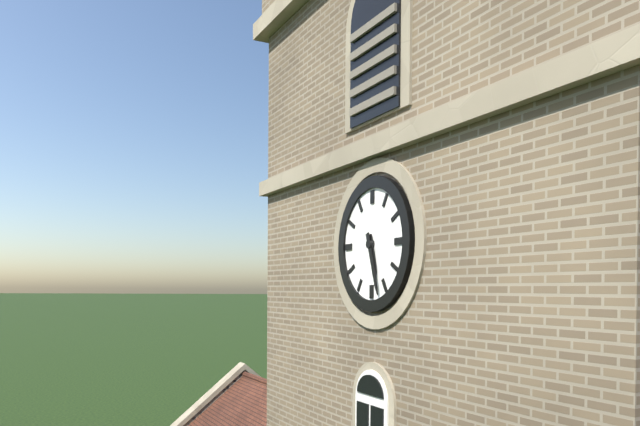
h=5 m=27
